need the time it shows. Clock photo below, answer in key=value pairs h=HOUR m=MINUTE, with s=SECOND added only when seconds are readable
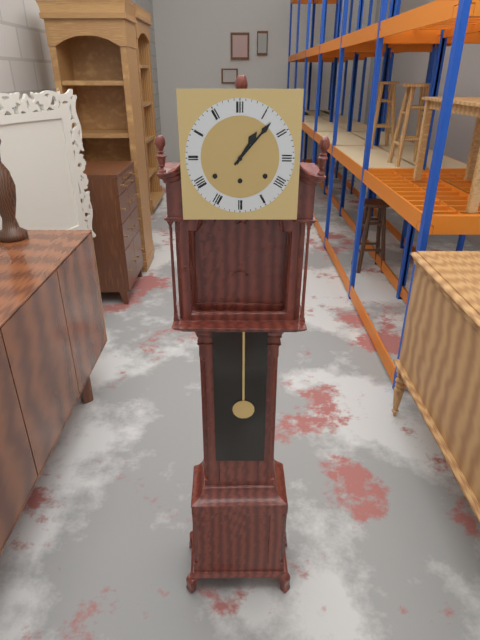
h=1 m=7
